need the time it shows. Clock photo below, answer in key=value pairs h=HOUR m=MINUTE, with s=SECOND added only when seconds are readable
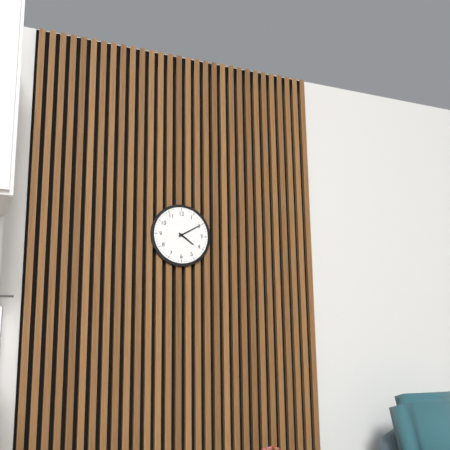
h=4 m=10
